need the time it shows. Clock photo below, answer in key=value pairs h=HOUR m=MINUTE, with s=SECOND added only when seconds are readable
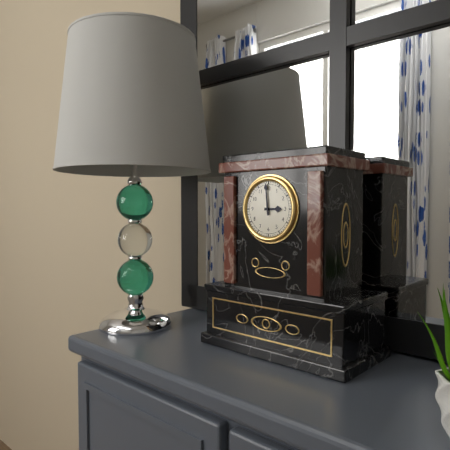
h=2 m=59
